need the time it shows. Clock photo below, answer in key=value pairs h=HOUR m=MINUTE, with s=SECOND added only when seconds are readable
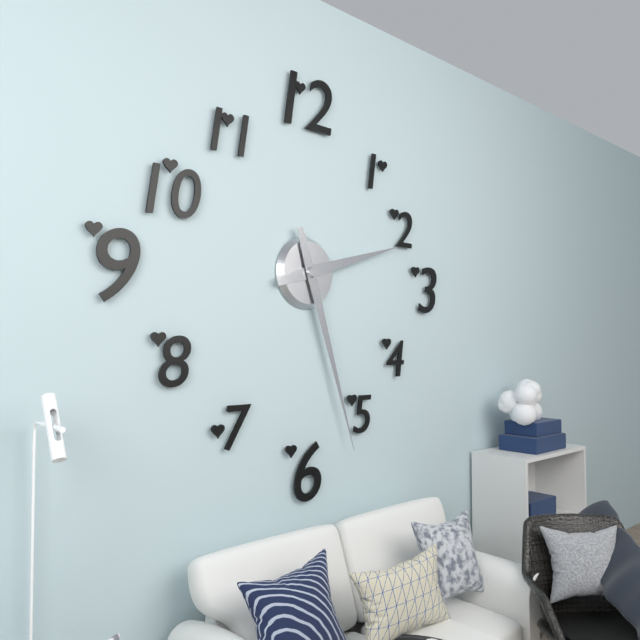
h=2 m=27
